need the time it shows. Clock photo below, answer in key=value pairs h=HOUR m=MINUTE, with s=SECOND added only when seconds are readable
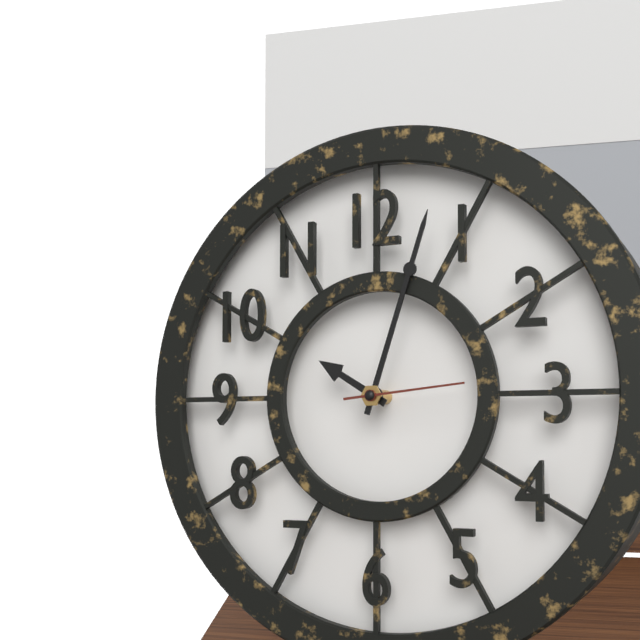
h=10 m=3 s=14
